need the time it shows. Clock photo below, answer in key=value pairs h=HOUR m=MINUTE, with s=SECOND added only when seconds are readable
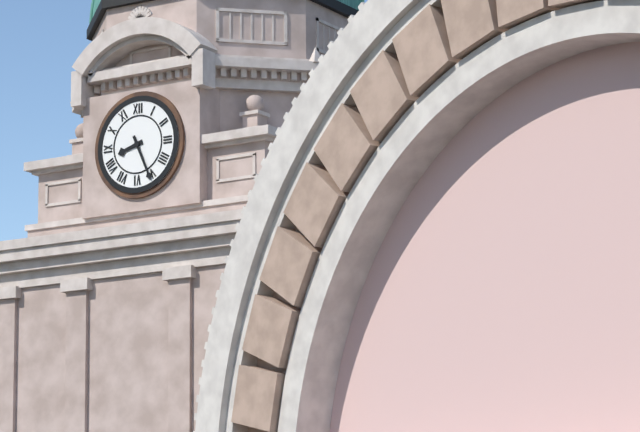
h=8 m=26
